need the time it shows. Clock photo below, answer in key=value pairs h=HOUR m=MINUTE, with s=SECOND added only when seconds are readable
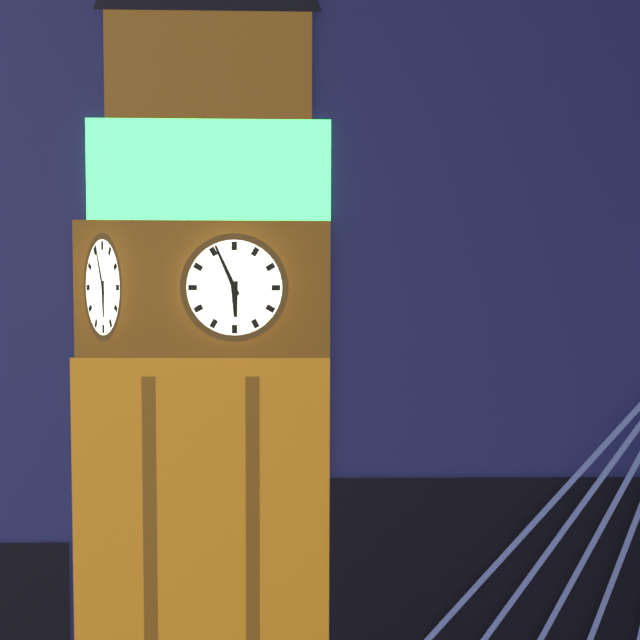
h=5 m=56
